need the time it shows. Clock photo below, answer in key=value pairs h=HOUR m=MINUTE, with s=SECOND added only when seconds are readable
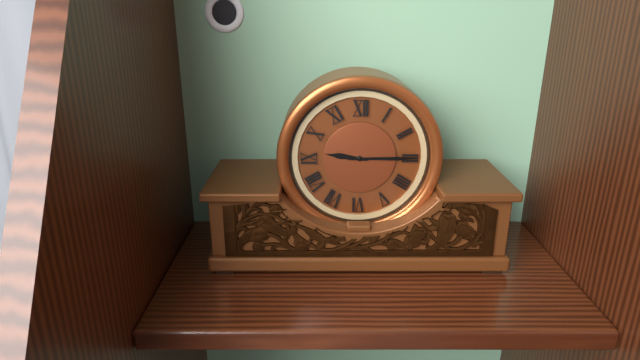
h=9 m=15
